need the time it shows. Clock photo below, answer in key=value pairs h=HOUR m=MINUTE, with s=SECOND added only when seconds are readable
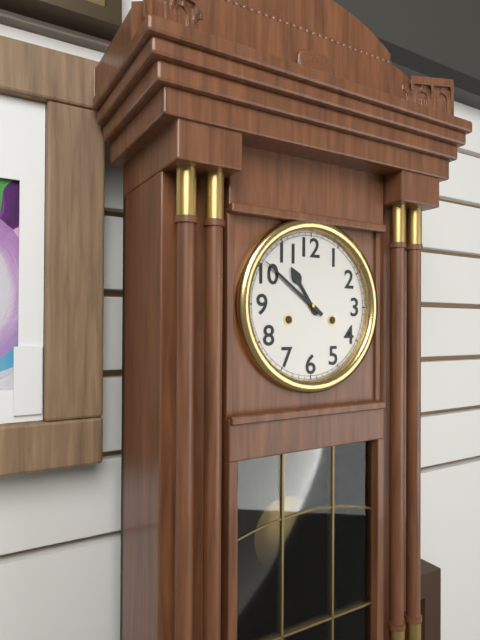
h=10 m=51
